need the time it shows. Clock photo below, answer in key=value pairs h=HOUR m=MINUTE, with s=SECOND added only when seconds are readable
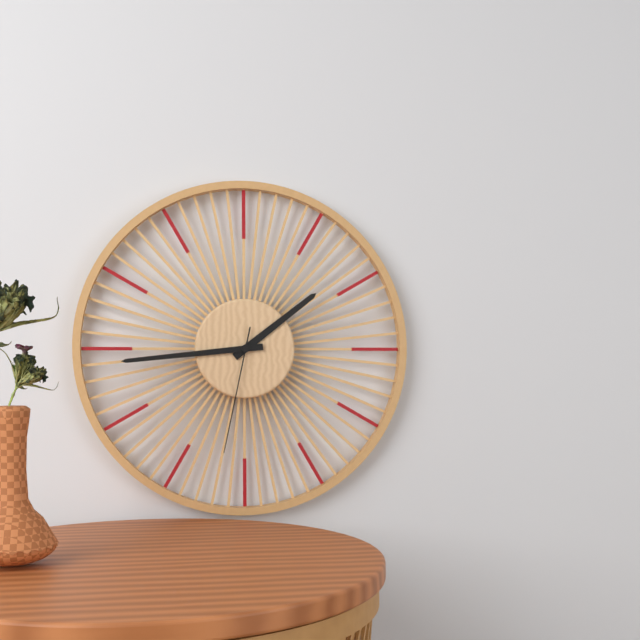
h=1 m=44 s=32
